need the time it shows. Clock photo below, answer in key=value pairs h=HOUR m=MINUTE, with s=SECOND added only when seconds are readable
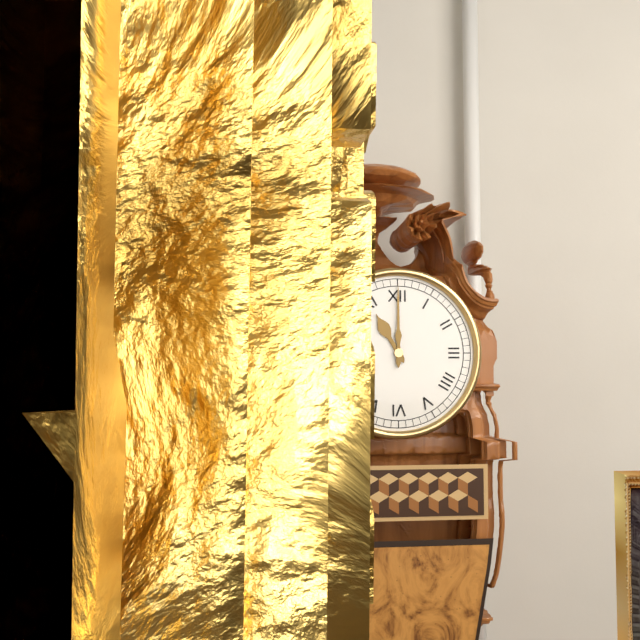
h=11 m=0
